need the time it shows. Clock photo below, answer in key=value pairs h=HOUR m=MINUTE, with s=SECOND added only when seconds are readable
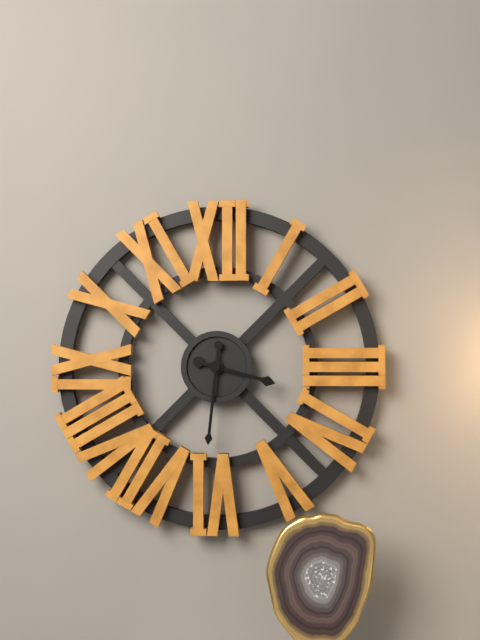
h=3 m=31
